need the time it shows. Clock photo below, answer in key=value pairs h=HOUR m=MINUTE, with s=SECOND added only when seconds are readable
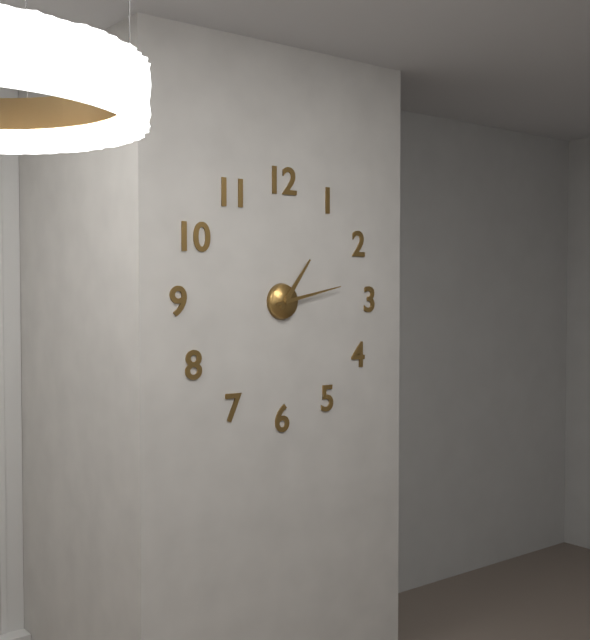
h=1 m=13
